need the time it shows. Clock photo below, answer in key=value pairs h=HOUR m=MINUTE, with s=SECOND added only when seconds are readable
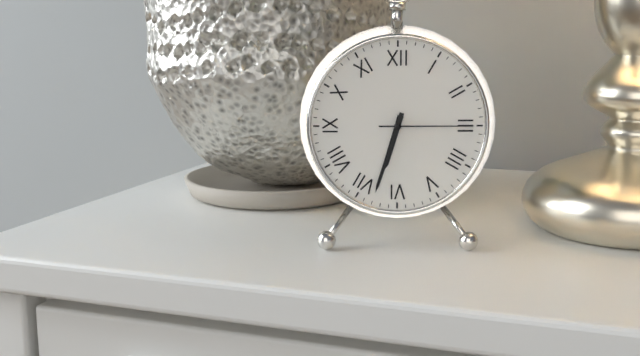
h=6 m=33 s=15
